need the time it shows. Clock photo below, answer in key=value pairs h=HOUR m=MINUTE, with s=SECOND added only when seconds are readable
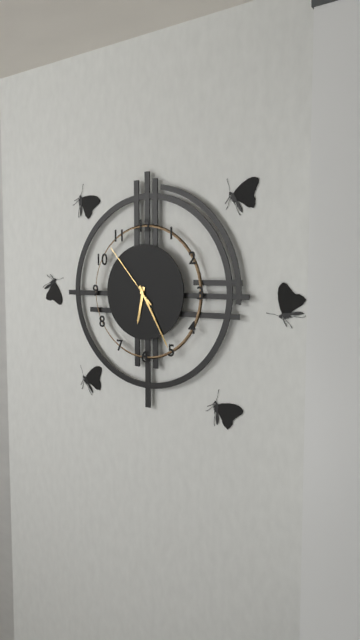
h=6 m=25 s=53
